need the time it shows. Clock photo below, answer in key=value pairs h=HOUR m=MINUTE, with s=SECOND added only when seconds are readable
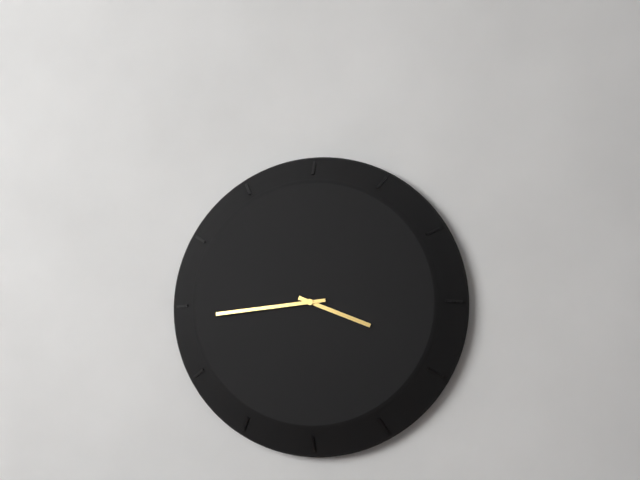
h=3 m=44
